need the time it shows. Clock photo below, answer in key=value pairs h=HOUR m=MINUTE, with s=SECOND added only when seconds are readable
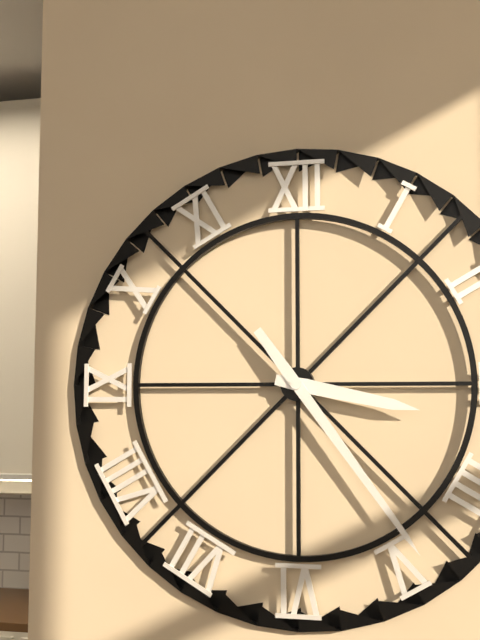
h=3 m=24
